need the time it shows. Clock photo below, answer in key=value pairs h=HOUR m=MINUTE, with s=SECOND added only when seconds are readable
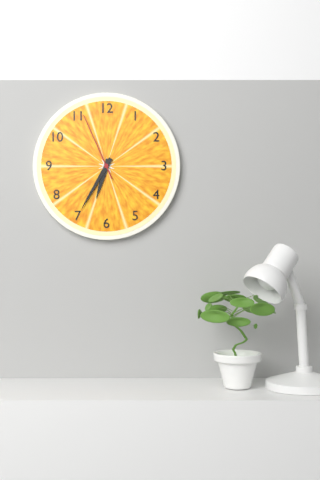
h=6 m=35 s=56
